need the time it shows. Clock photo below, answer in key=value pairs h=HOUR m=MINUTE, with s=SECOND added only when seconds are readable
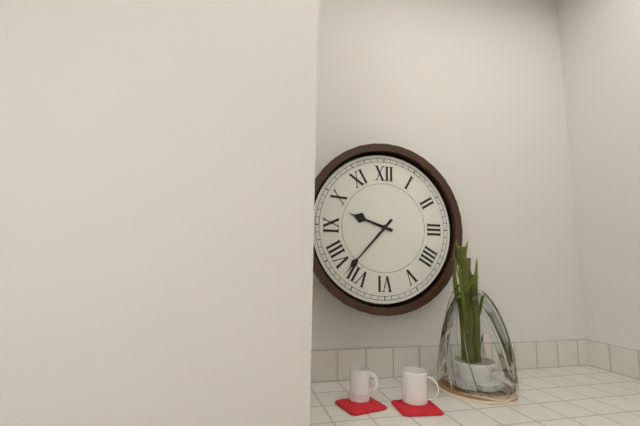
h=9 m=37
